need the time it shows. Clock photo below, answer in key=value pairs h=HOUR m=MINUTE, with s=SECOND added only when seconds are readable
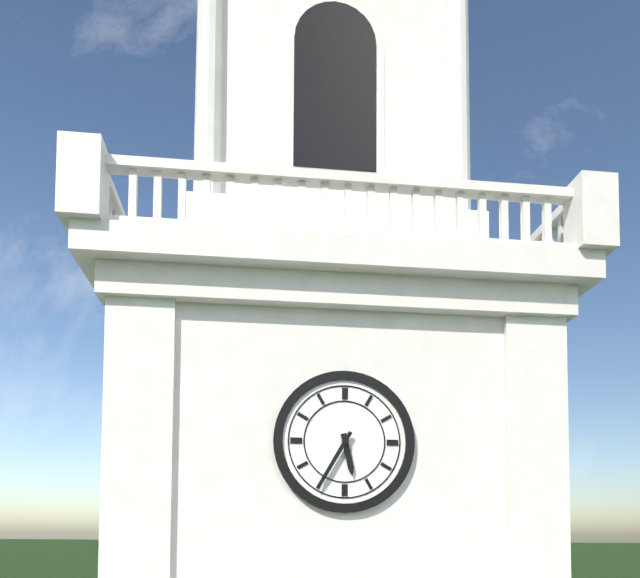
h=5 m=35
